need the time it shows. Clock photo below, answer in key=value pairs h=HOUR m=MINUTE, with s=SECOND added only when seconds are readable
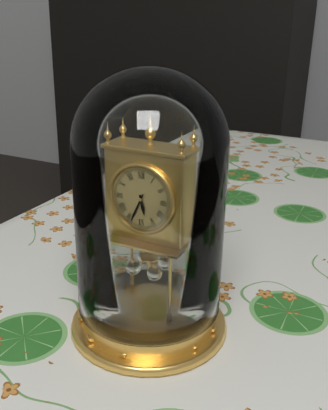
h=5 m=34
